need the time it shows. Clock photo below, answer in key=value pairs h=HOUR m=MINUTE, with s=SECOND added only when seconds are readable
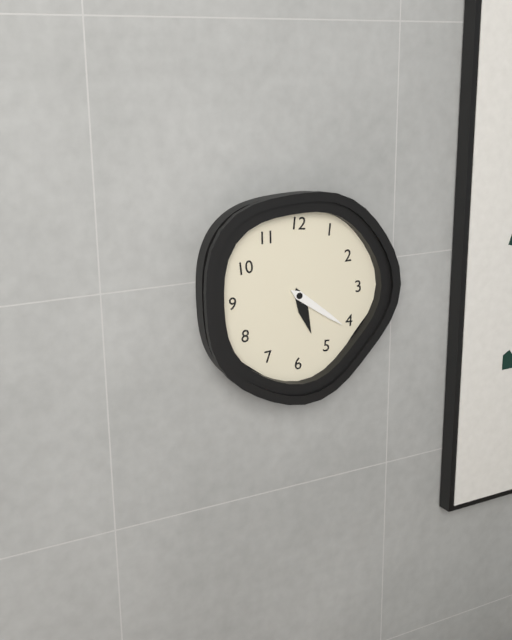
h=5 m=21
